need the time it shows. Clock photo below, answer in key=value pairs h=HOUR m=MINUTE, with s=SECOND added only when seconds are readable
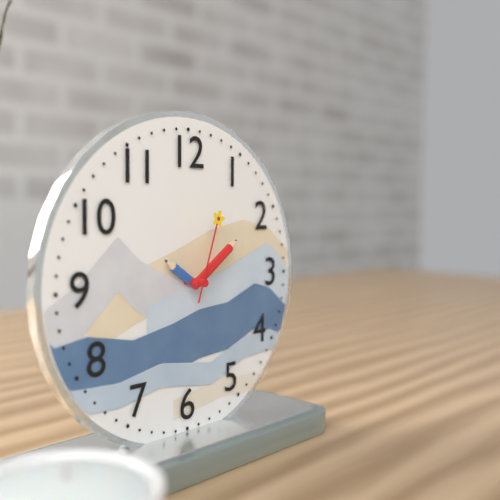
h=10 m=9 s=3
